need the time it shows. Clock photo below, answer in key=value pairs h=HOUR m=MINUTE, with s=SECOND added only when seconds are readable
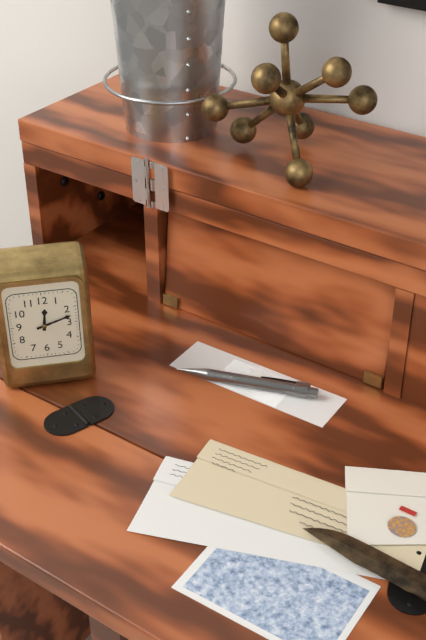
h=12 m=12
